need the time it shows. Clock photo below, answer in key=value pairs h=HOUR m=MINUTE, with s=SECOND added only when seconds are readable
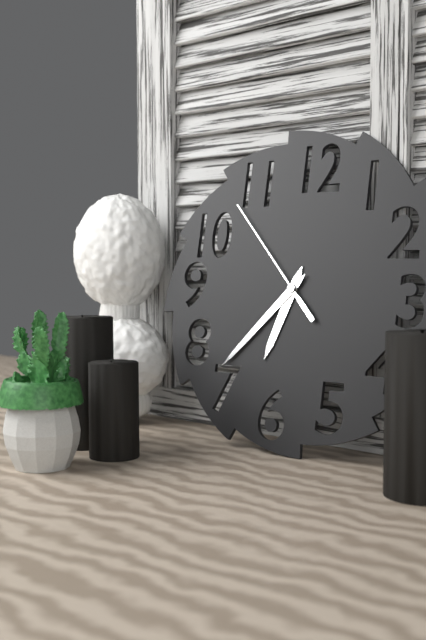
h=6 m=37 s=53
